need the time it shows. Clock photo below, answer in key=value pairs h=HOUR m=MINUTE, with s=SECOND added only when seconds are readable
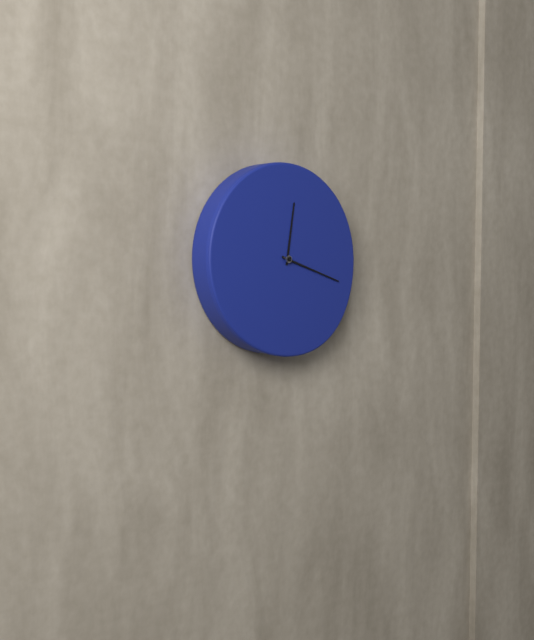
h=12 m=18
